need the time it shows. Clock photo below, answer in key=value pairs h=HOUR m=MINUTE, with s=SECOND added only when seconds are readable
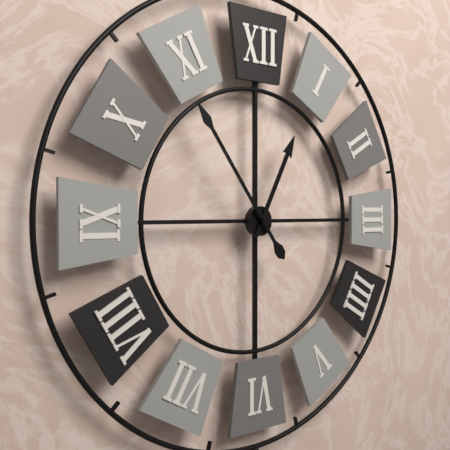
h=12 m=54
